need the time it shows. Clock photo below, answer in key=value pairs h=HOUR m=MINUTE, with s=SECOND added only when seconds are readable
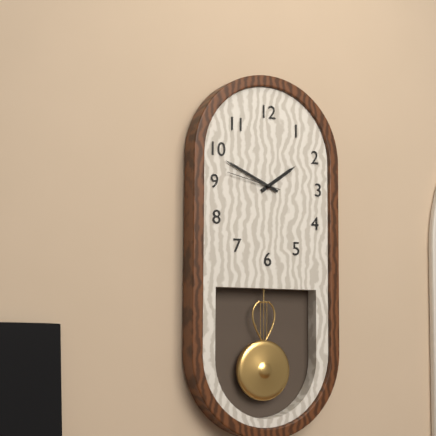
h=1 m=49 s=47
